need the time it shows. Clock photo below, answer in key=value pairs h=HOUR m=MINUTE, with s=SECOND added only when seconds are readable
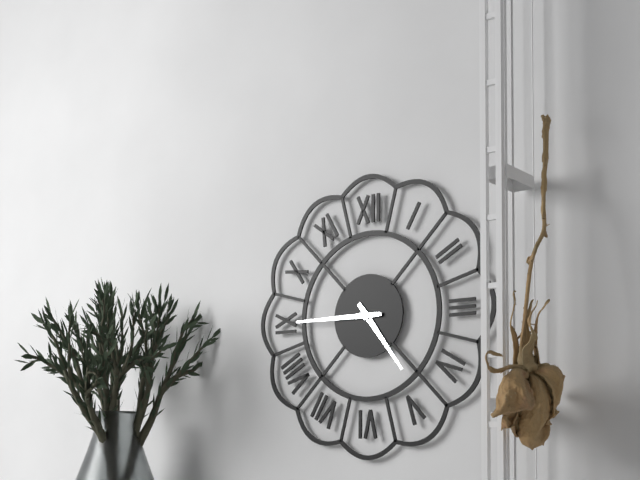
h=4 m=45
